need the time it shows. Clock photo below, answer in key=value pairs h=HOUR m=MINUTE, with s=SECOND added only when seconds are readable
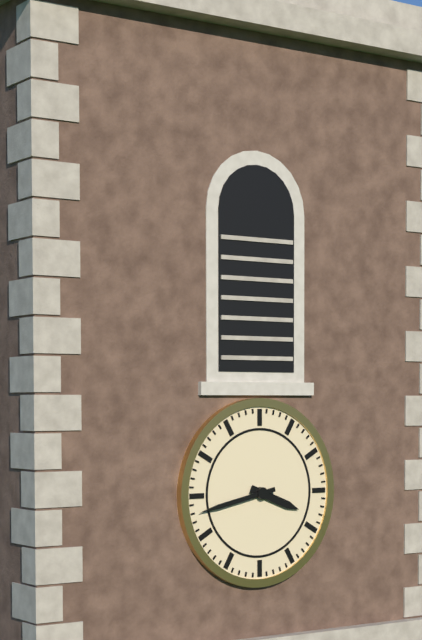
h=3 m=43
